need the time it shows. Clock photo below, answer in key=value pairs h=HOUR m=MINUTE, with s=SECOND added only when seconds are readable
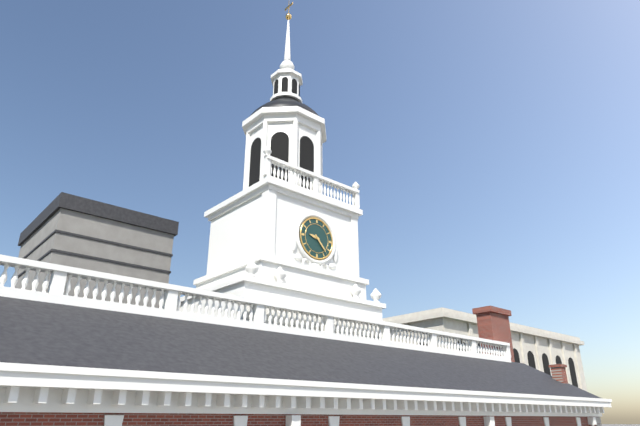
h=9 m=23
